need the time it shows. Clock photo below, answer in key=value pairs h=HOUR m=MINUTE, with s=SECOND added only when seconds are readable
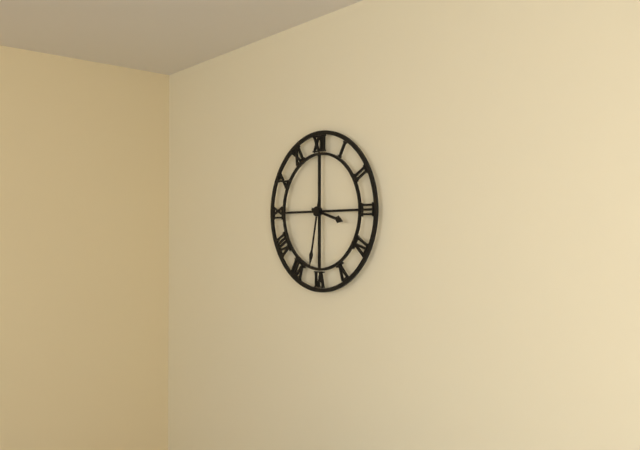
h=3 m=32
